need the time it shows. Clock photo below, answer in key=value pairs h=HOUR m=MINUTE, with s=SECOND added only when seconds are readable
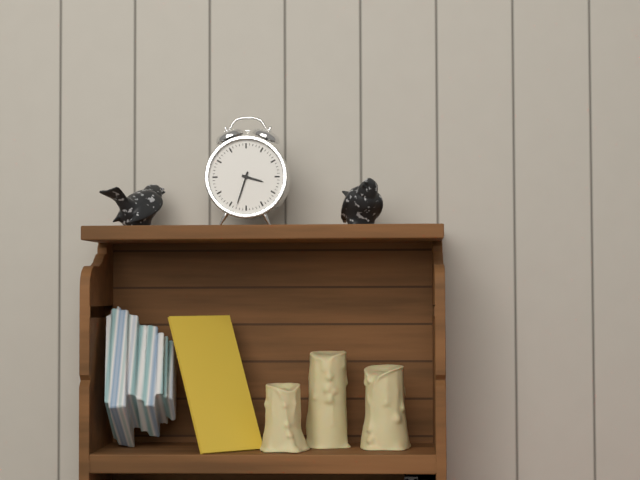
h=3 m=33
